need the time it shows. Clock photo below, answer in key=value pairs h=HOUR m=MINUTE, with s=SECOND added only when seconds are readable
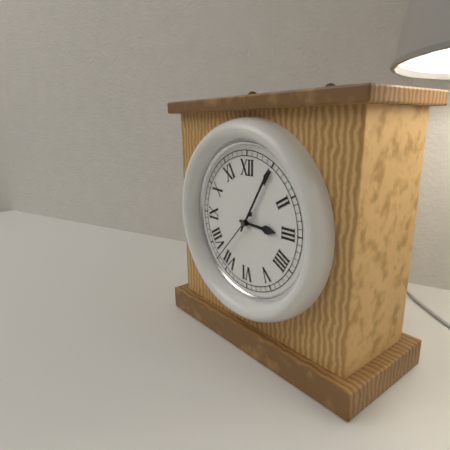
h=3 m=5 s=37
